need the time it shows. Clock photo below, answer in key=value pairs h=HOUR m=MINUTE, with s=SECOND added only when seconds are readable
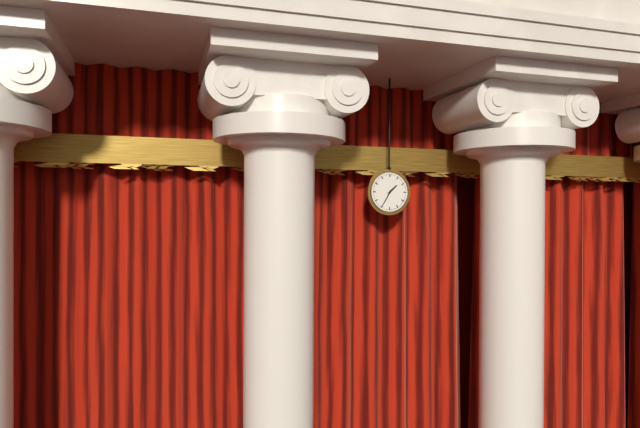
h=1 m=35
